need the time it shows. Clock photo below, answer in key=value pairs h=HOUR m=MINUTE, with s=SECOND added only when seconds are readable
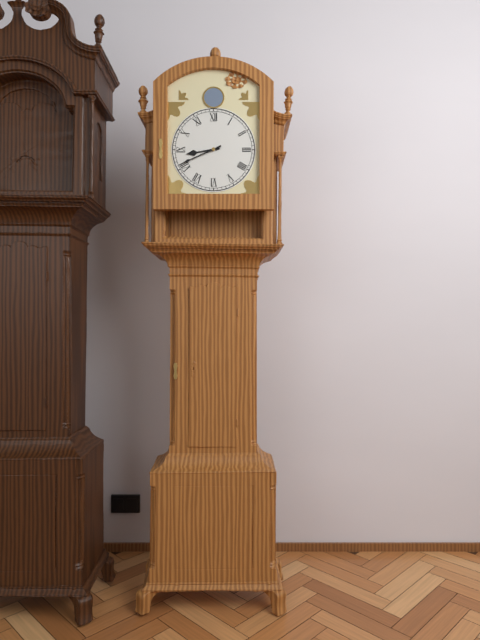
h=8 m=41
